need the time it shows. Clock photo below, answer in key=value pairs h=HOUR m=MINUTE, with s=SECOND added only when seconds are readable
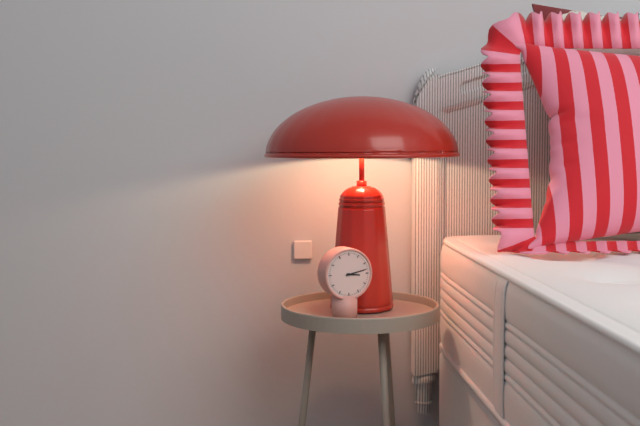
h=3 m=13
